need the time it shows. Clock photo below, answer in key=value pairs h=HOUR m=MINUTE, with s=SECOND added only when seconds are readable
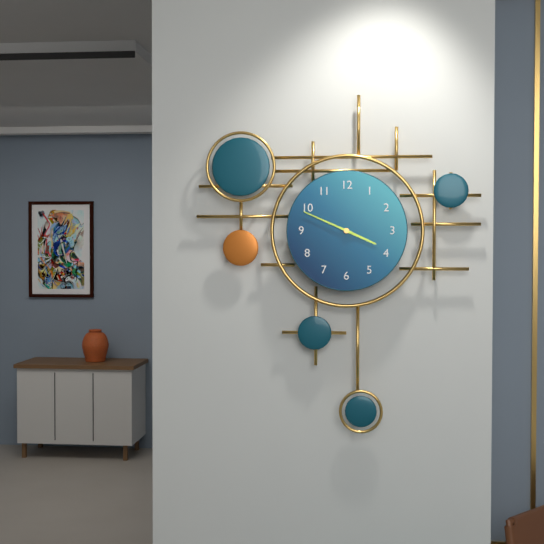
h=3 m=49
